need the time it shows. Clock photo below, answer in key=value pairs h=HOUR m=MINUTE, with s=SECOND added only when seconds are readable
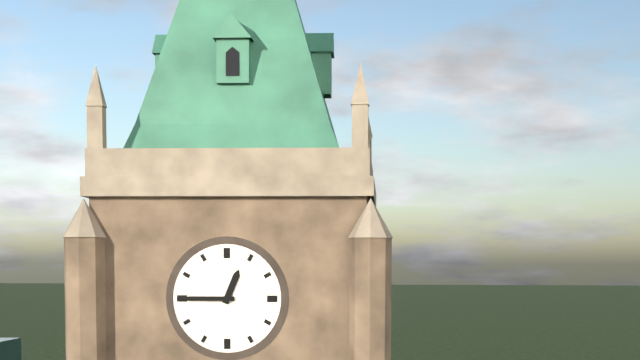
h=12 m=45
